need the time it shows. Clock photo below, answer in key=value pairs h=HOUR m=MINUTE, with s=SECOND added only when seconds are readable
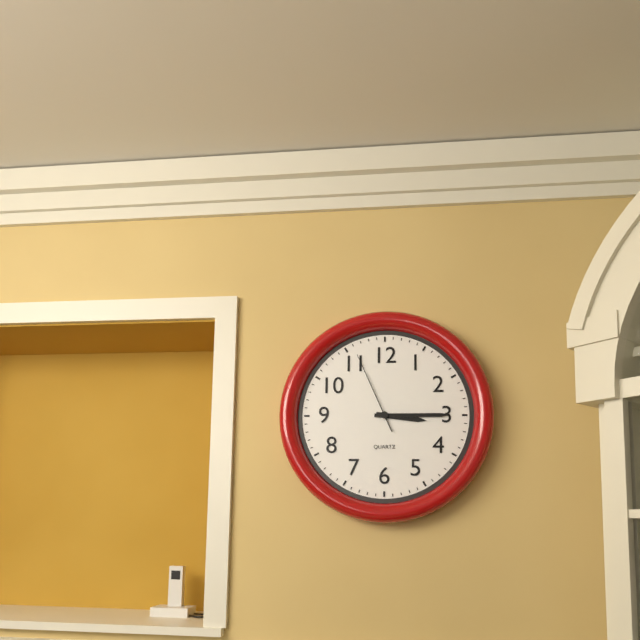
h=3 m=15 s=56
